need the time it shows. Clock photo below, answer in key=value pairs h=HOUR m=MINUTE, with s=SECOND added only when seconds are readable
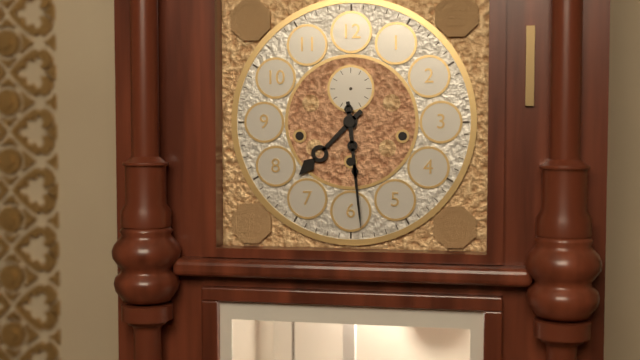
h=7 m=29
